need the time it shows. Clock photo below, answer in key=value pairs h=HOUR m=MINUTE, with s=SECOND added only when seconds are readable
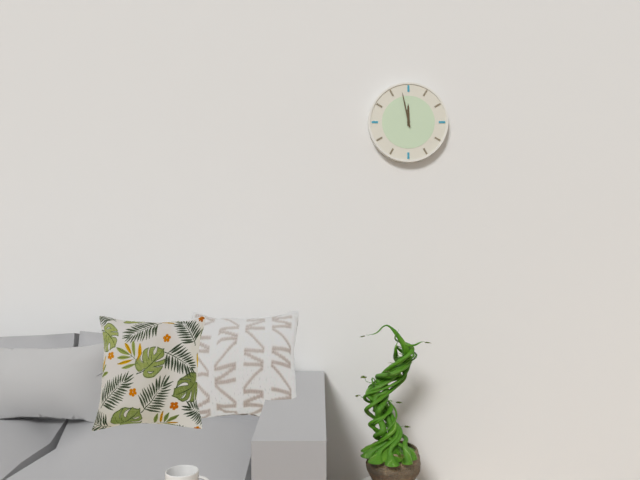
h=11 m=58
